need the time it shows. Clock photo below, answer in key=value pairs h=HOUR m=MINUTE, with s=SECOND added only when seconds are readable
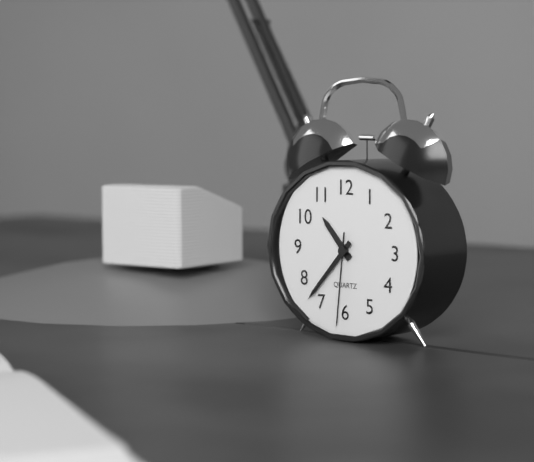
h=10 m=37 s=31
